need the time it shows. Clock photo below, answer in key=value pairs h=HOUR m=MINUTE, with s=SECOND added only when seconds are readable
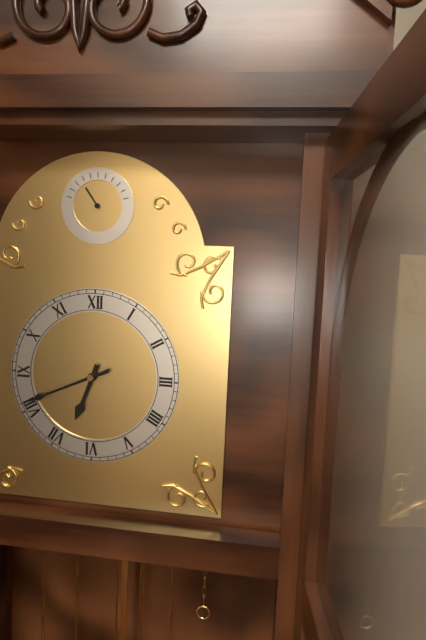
h=6 m=41
